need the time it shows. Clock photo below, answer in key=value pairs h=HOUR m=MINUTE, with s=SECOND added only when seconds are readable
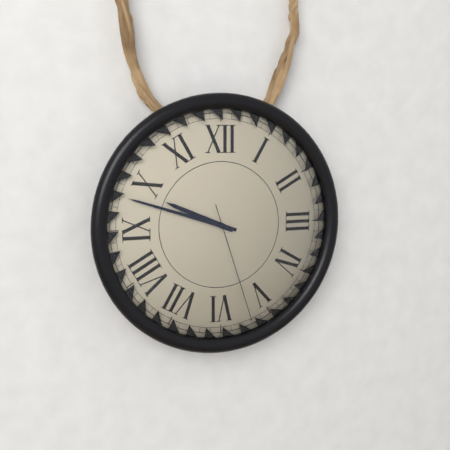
h=9 m=48 s=27
